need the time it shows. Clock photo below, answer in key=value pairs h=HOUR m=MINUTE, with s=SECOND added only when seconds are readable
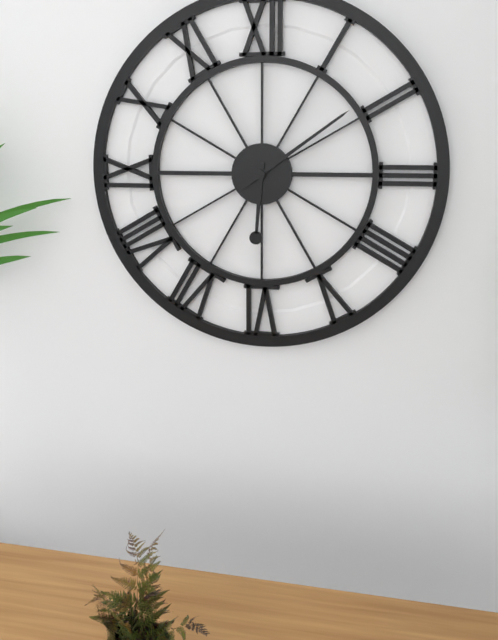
h=6 m=9
